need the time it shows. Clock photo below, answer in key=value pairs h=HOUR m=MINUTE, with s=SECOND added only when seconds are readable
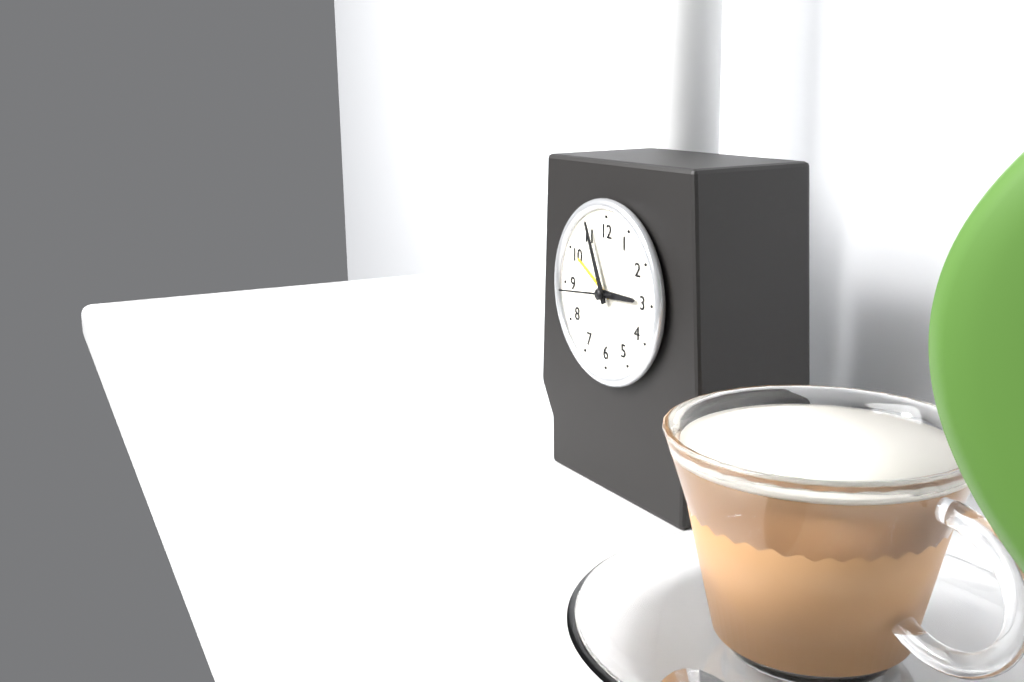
h=2 m=56 s=44
